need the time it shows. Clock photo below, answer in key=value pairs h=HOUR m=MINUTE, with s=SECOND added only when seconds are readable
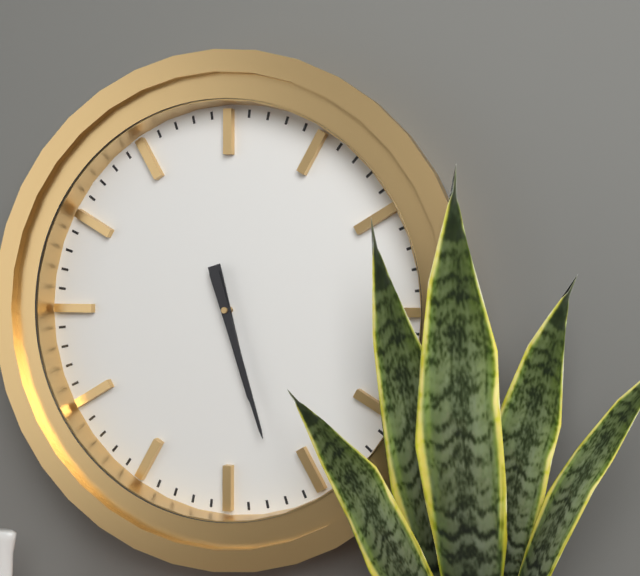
h=5 m=27
